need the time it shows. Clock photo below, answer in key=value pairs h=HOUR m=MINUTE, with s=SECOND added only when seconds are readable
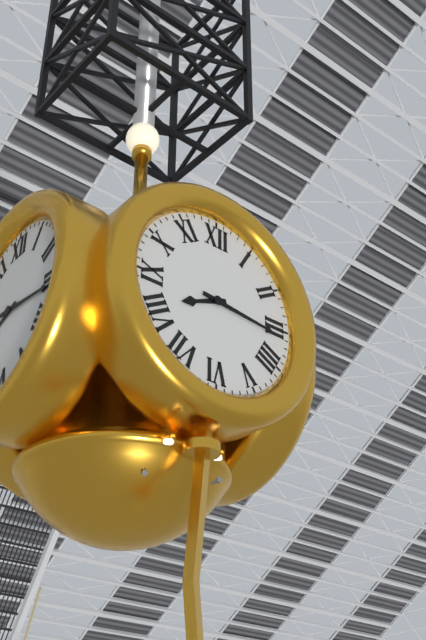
h=8 m=16
